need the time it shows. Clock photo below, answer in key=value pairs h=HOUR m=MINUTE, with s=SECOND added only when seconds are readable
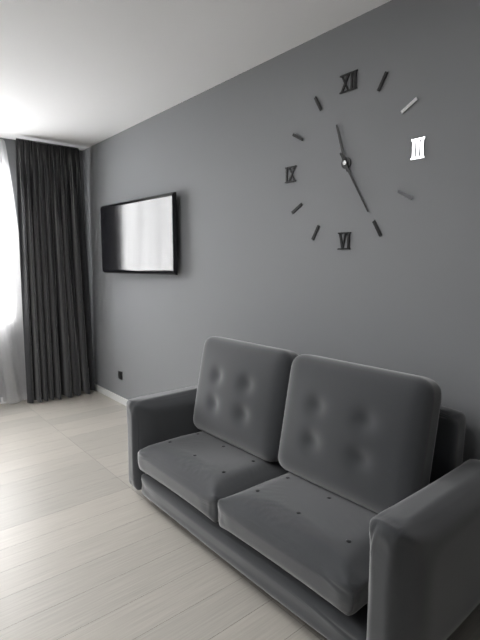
h=11 m=25
